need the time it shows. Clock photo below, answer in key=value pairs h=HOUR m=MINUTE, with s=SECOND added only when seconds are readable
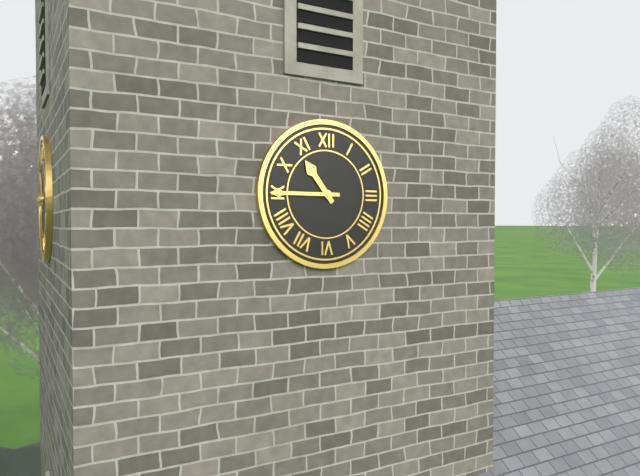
h=10 m=45
